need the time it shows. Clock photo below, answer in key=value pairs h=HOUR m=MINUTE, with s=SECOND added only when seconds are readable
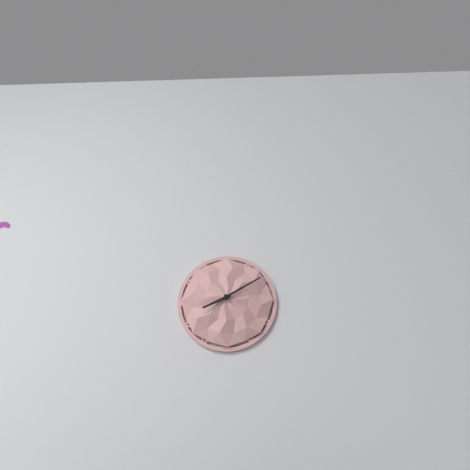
h=8 m=10
